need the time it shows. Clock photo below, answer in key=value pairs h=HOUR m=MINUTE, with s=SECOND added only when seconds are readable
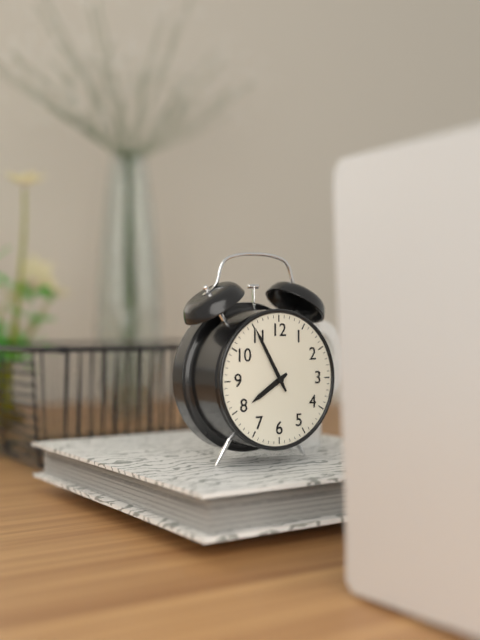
h=7 m=55
